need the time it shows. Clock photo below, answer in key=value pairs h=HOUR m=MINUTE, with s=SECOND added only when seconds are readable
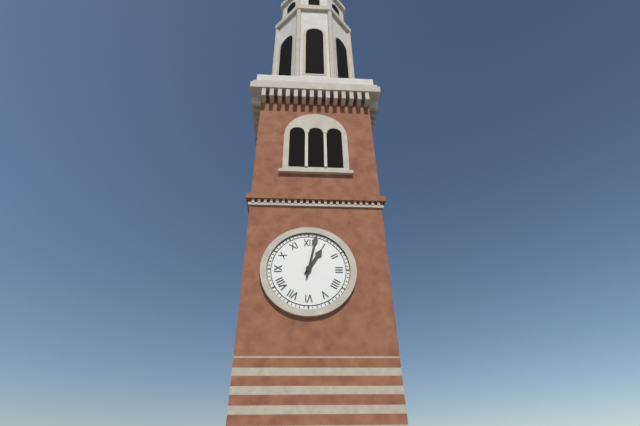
h=1 m=2
